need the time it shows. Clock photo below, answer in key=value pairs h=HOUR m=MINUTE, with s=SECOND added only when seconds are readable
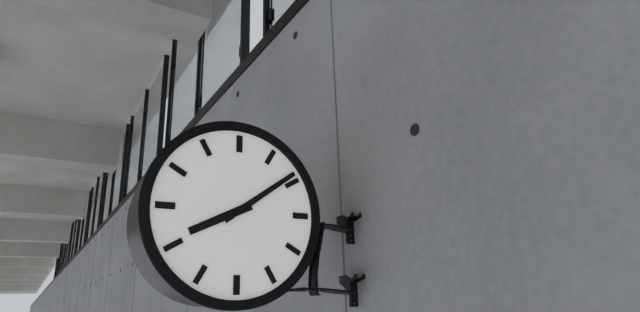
h=8 m=9
